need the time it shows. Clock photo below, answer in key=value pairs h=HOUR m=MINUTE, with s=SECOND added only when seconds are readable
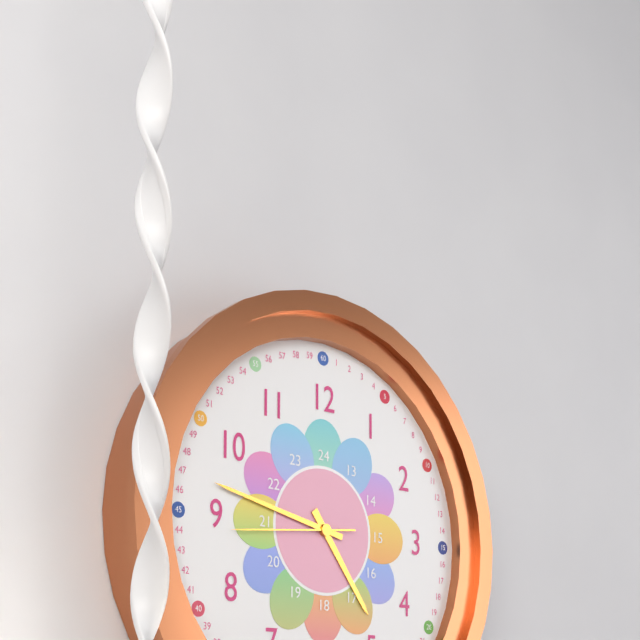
h=4 m=47 s=44
